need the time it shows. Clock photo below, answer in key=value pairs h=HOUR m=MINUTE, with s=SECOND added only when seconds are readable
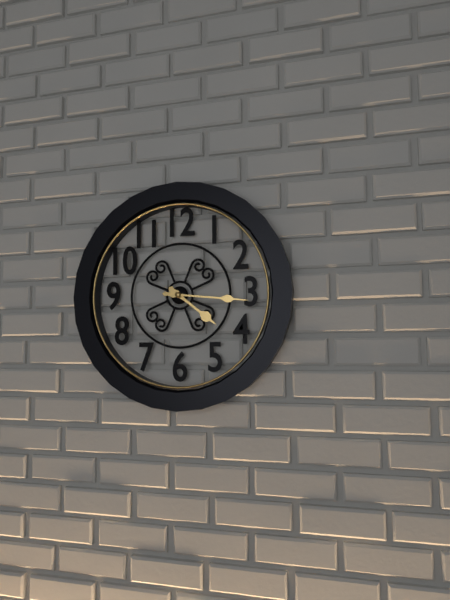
h=4 m=16
